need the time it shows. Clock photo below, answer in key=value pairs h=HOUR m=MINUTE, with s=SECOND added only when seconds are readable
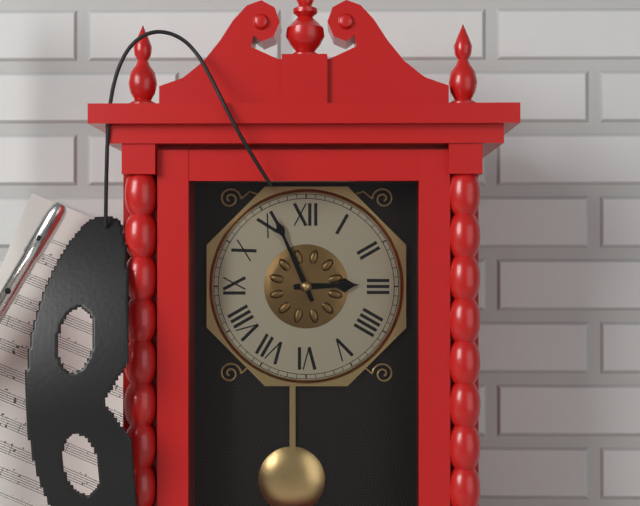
h=2 m=56
